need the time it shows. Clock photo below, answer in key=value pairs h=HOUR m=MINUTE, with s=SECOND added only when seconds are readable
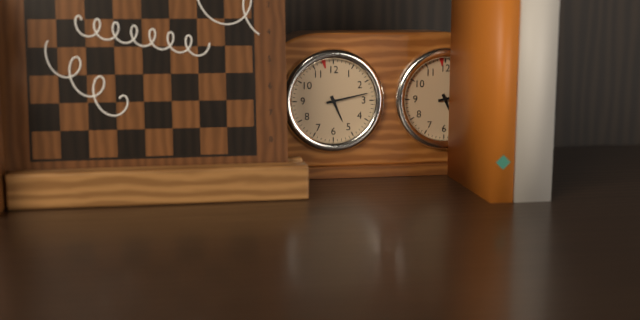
h=5 m=13
